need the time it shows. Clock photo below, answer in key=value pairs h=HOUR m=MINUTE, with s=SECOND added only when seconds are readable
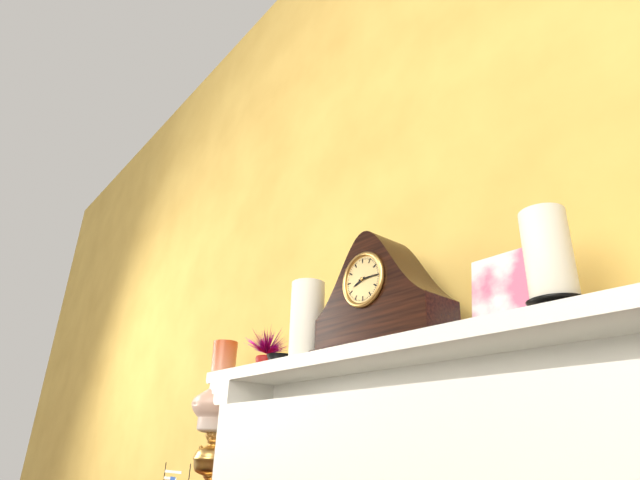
h=8 m=15
